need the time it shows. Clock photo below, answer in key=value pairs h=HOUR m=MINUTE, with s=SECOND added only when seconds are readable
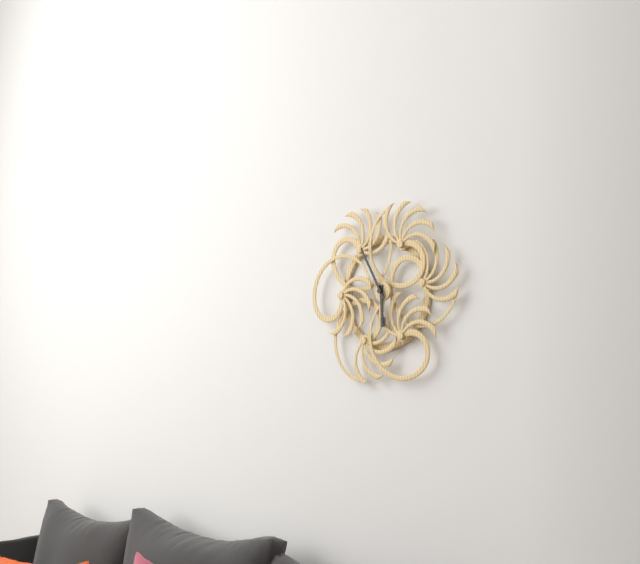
h=5 m=55
